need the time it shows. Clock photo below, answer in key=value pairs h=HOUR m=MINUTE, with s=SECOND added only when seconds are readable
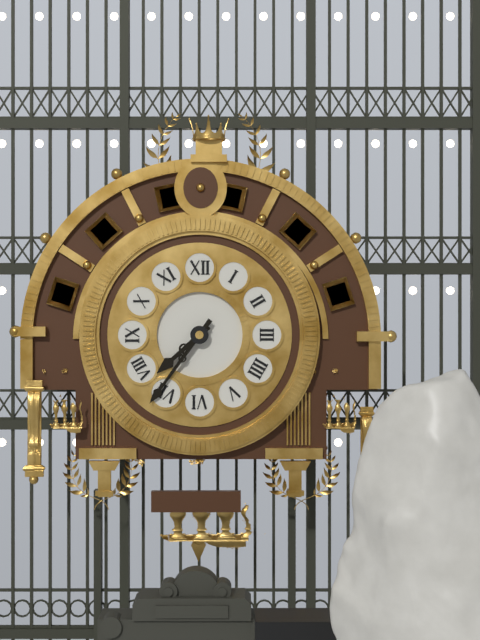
h=7 m=36
